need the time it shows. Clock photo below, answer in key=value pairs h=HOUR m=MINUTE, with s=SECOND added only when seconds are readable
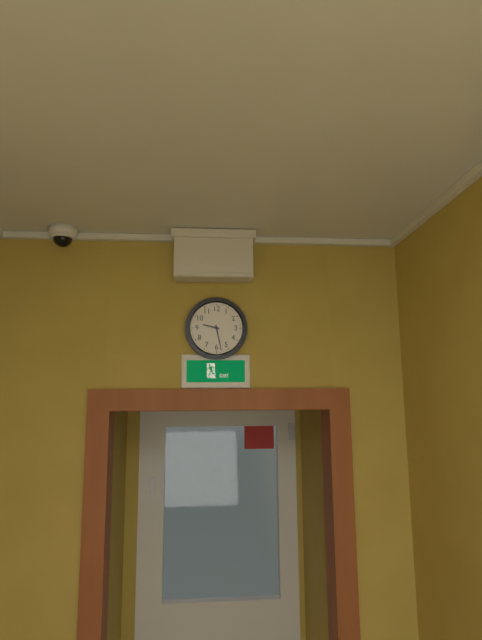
h=9 m=28
